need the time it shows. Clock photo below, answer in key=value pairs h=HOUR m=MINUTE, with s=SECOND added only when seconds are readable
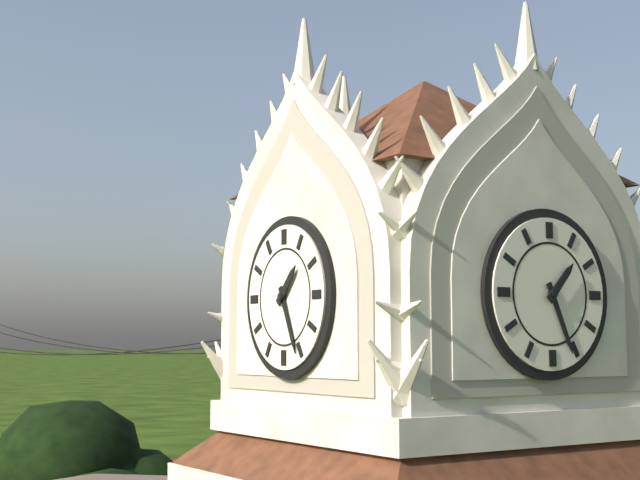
h=1 m=26
